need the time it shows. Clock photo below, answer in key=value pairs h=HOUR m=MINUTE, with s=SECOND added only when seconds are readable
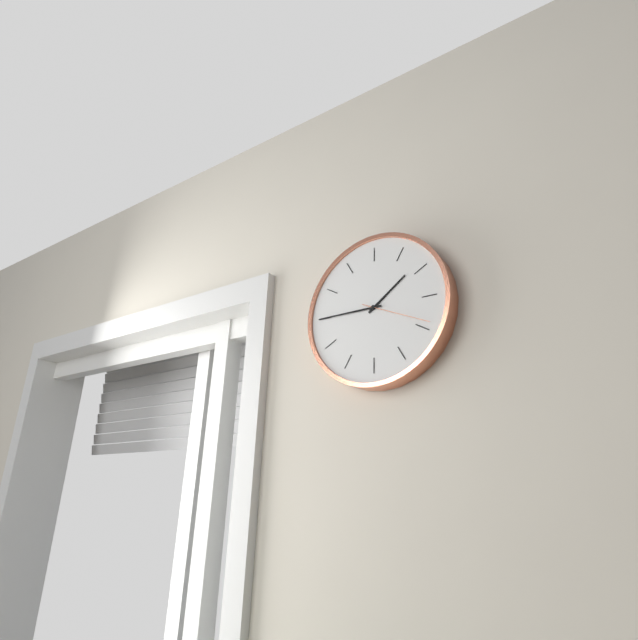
h=1 m=45 s=19
